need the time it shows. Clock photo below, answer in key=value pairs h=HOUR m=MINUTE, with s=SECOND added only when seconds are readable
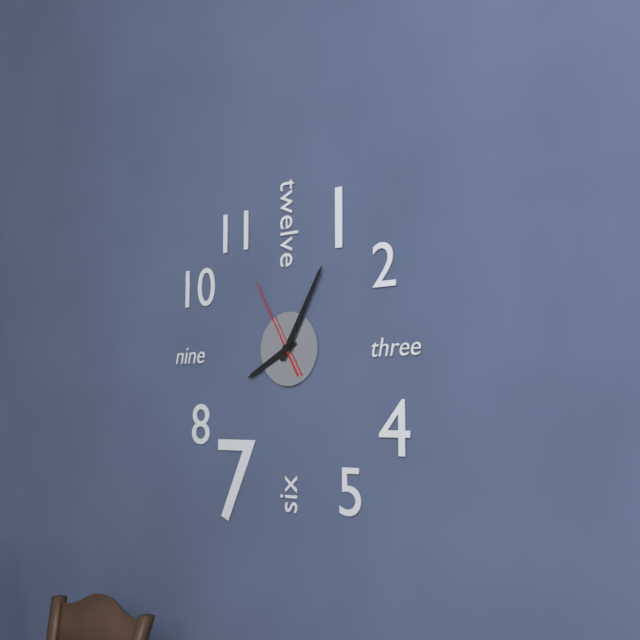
h=8 m=5 s=55
